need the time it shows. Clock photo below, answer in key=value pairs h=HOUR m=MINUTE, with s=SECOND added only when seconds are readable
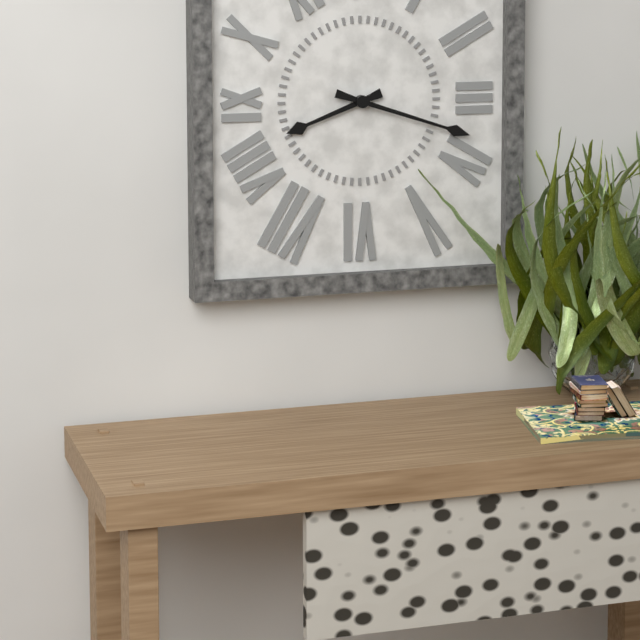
h=8 m=18
